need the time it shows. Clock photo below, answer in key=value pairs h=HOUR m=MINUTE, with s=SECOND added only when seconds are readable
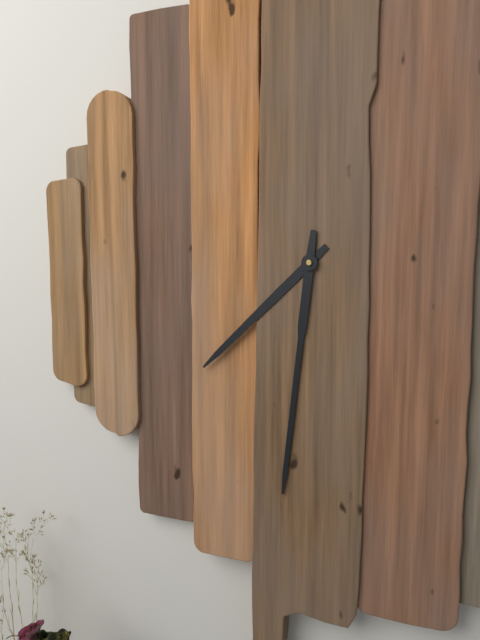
h=7 m=31
